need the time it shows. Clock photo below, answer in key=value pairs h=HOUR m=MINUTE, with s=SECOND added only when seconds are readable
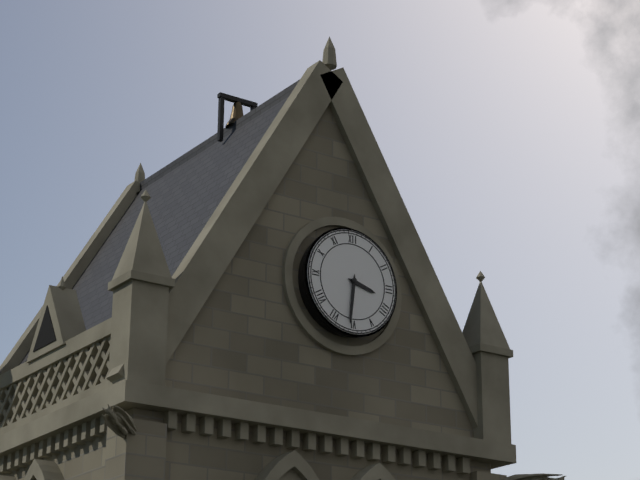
h=3 m=31
